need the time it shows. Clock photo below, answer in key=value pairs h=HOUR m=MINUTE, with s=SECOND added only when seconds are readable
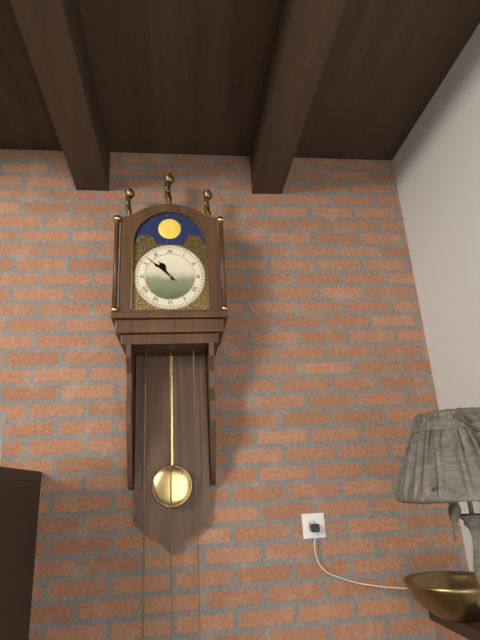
h=10 m=52
